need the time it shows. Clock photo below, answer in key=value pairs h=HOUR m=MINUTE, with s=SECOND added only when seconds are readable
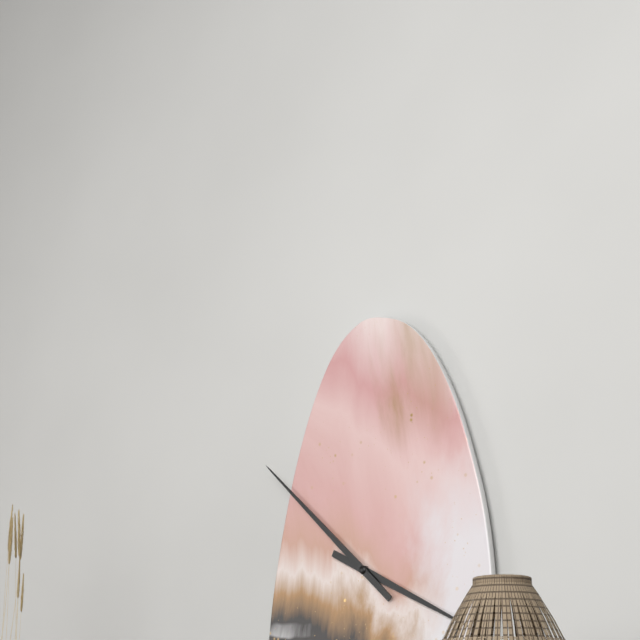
h=3 m=52
